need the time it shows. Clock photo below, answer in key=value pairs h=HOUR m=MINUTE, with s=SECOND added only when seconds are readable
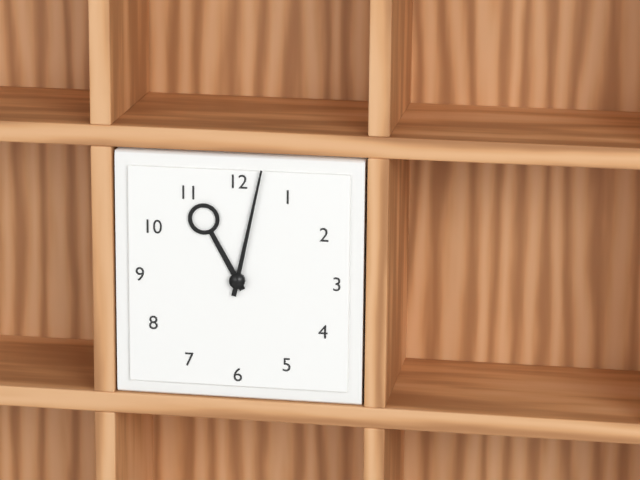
h=11 m=2
